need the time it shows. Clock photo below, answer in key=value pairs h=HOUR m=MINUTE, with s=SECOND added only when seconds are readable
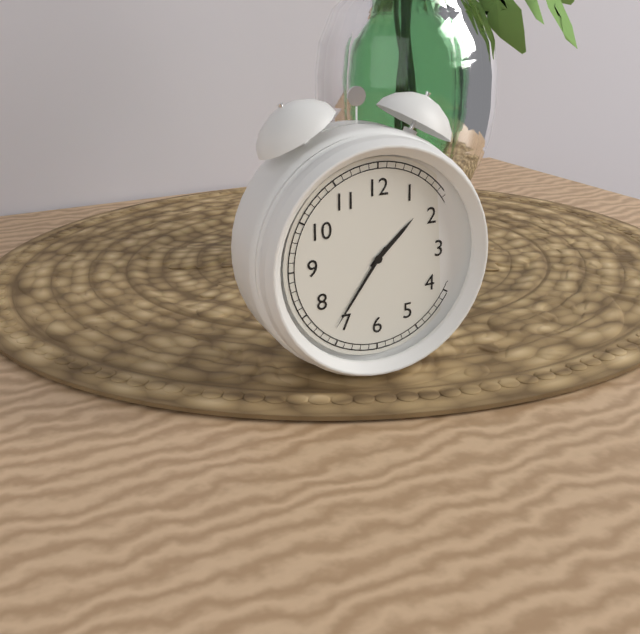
h=1 m=36
